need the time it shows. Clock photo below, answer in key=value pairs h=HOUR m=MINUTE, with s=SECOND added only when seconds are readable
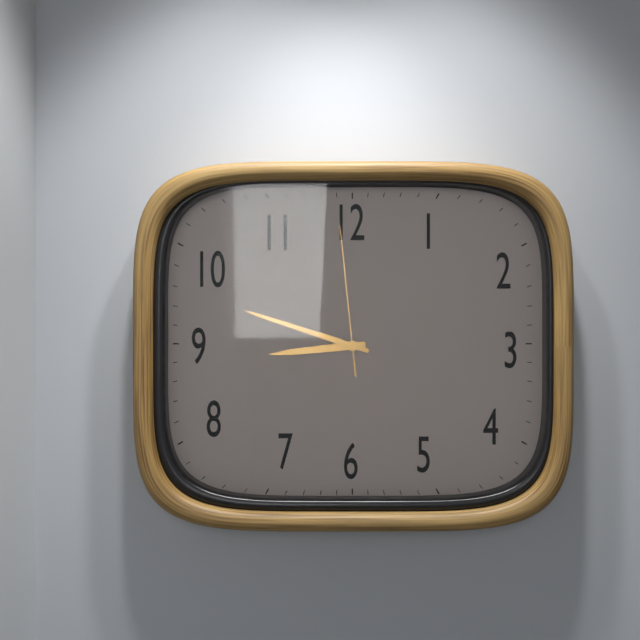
h=8 m=48 s=59
